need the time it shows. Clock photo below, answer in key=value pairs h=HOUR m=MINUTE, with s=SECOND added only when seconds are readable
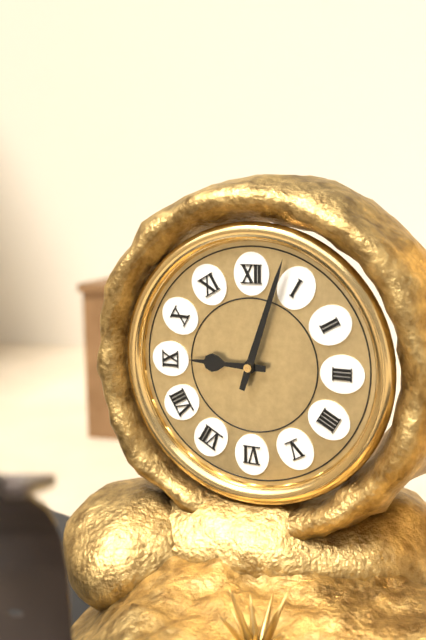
h=9 m=3
